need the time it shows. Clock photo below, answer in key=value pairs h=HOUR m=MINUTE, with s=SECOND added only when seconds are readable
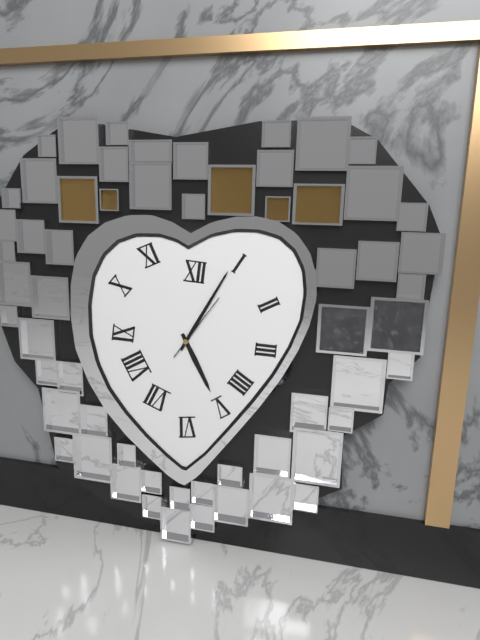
h=5 m=5 s=6
